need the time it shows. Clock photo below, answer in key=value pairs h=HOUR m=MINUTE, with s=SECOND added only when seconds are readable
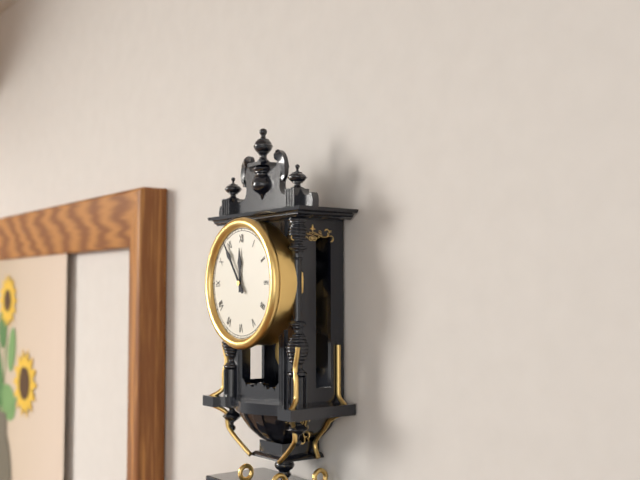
h=11 m=54
